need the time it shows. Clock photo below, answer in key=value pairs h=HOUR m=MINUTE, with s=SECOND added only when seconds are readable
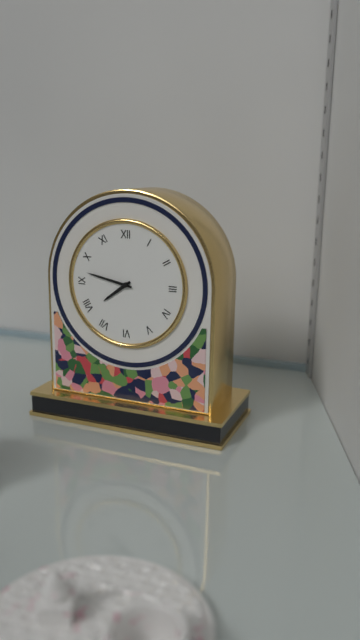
h=7 m=47
